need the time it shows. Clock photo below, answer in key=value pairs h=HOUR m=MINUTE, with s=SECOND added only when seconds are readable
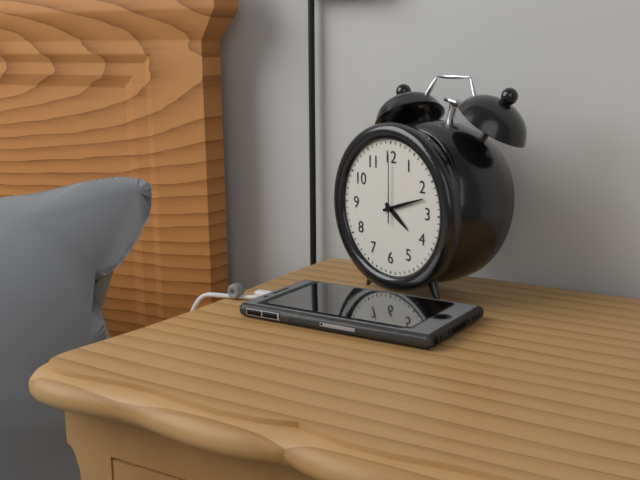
h=4 m=12 s=0
